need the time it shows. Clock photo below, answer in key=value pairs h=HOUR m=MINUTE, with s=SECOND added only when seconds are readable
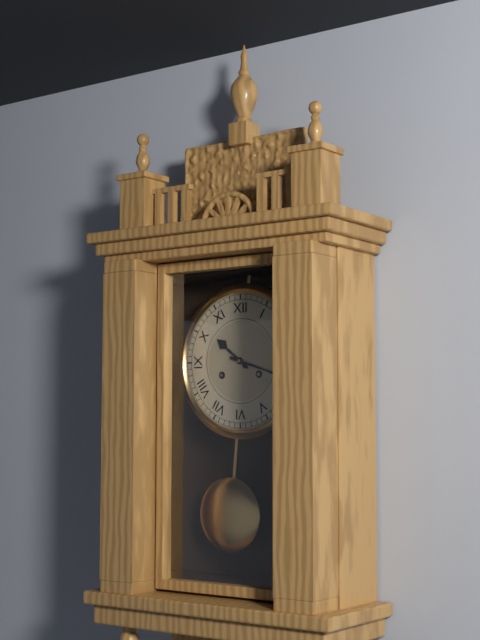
h=10 m=18
